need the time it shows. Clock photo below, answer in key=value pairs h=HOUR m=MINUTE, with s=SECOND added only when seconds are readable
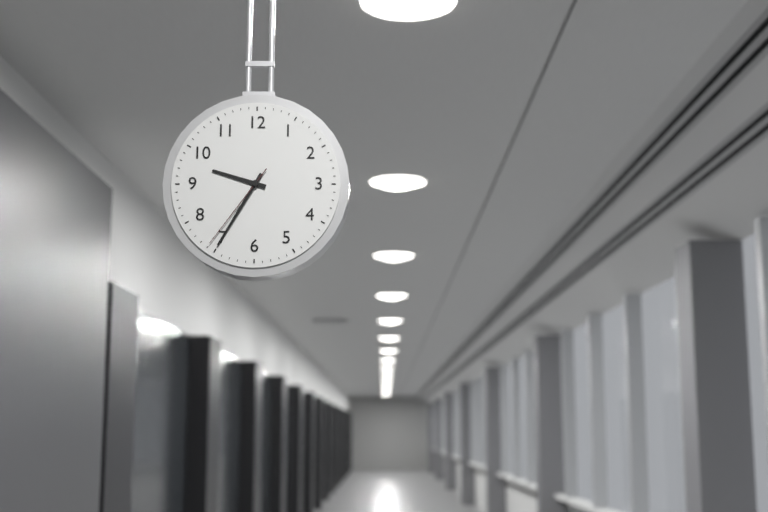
h=9 m=35 s=36
